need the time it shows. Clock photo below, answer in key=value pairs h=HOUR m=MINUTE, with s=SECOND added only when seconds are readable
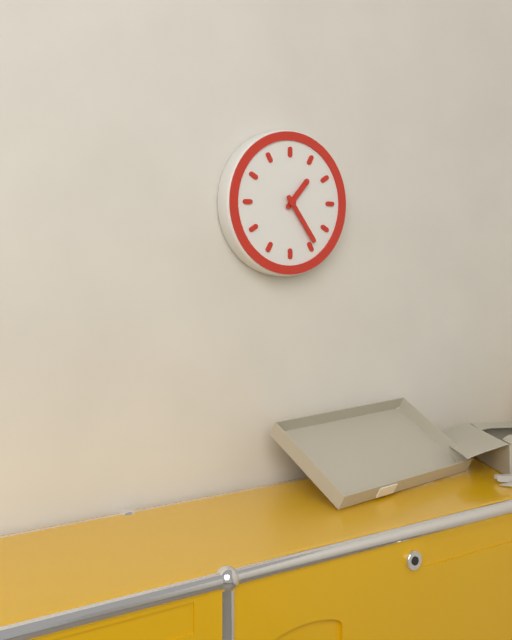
h=1 m=24
